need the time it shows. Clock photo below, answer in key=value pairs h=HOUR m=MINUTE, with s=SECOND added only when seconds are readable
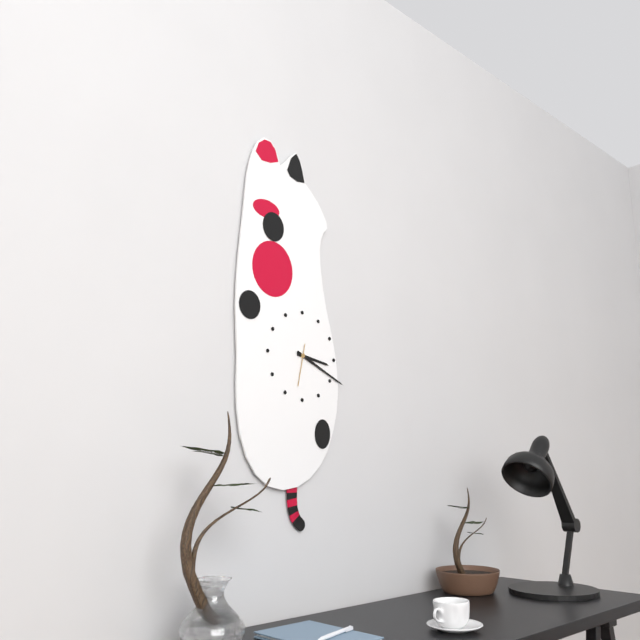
h=3 m=19
